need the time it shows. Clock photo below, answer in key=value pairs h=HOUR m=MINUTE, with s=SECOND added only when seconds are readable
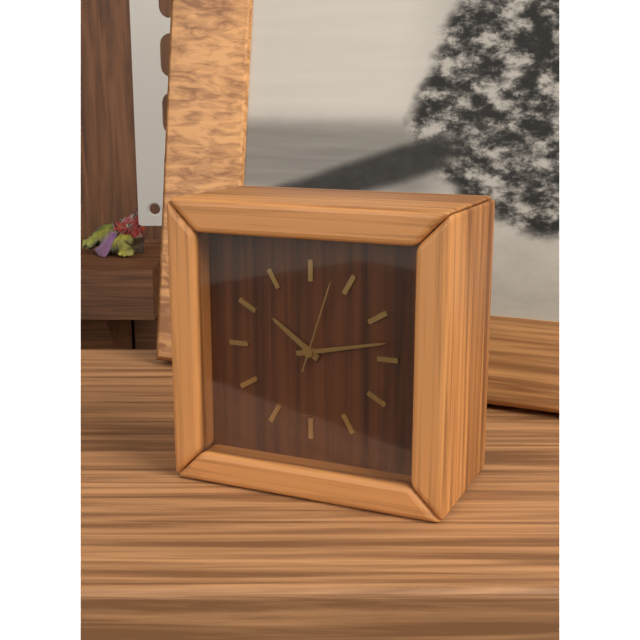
h=10 m=13 s=3
